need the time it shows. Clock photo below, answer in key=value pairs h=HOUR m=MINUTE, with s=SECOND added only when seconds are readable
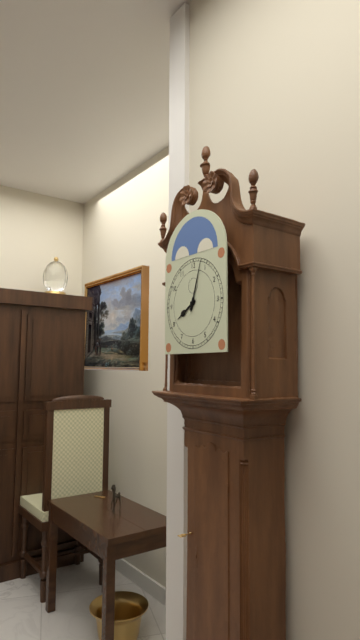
h=8 m=3
